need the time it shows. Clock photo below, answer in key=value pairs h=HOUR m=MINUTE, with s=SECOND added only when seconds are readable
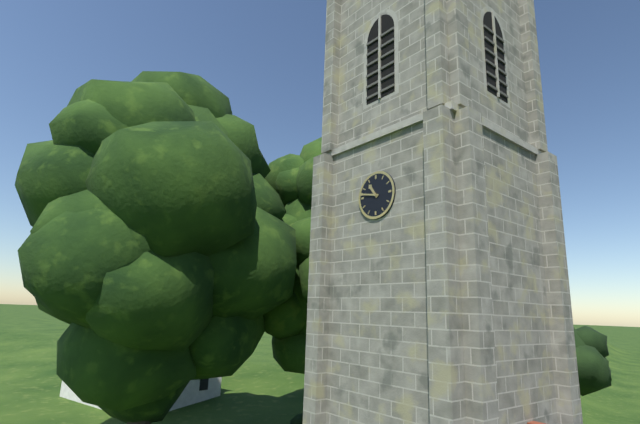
h=10 m=47
